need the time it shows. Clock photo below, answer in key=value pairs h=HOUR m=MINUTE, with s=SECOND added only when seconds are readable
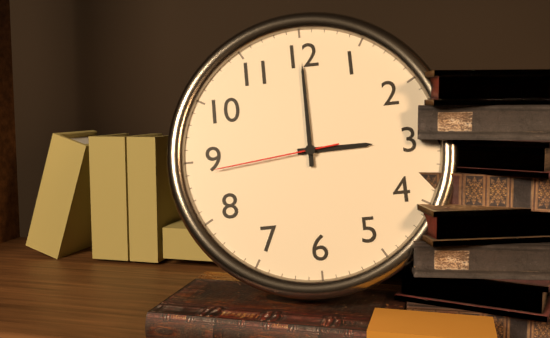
h=3 m=0 s=44
